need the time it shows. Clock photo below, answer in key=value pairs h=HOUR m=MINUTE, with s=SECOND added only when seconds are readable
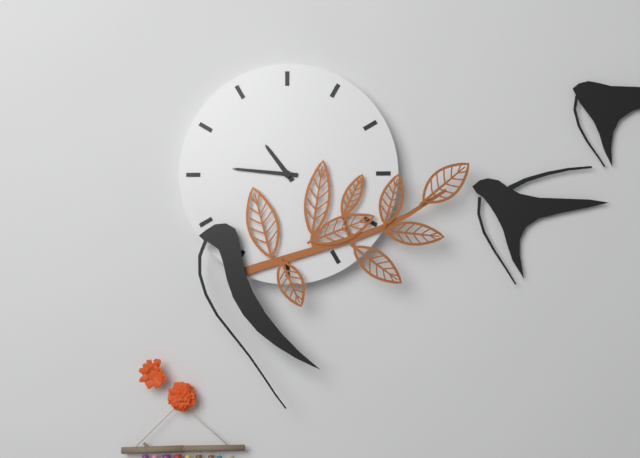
h=10 m=46
